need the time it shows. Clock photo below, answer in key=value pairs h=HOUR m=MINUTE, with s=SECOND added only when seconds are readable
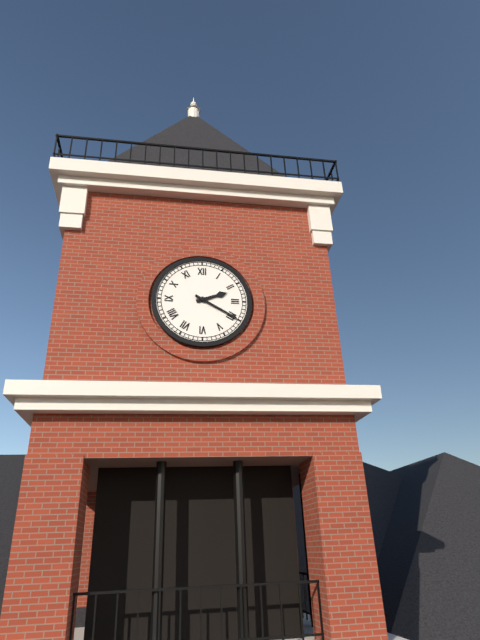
h=2 m=20
